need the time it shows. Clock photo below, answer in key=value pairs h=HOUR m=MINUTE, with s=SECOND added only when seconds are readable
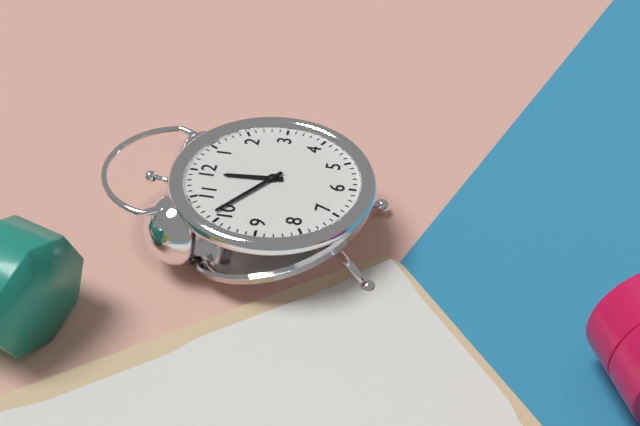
h=11 m=51
